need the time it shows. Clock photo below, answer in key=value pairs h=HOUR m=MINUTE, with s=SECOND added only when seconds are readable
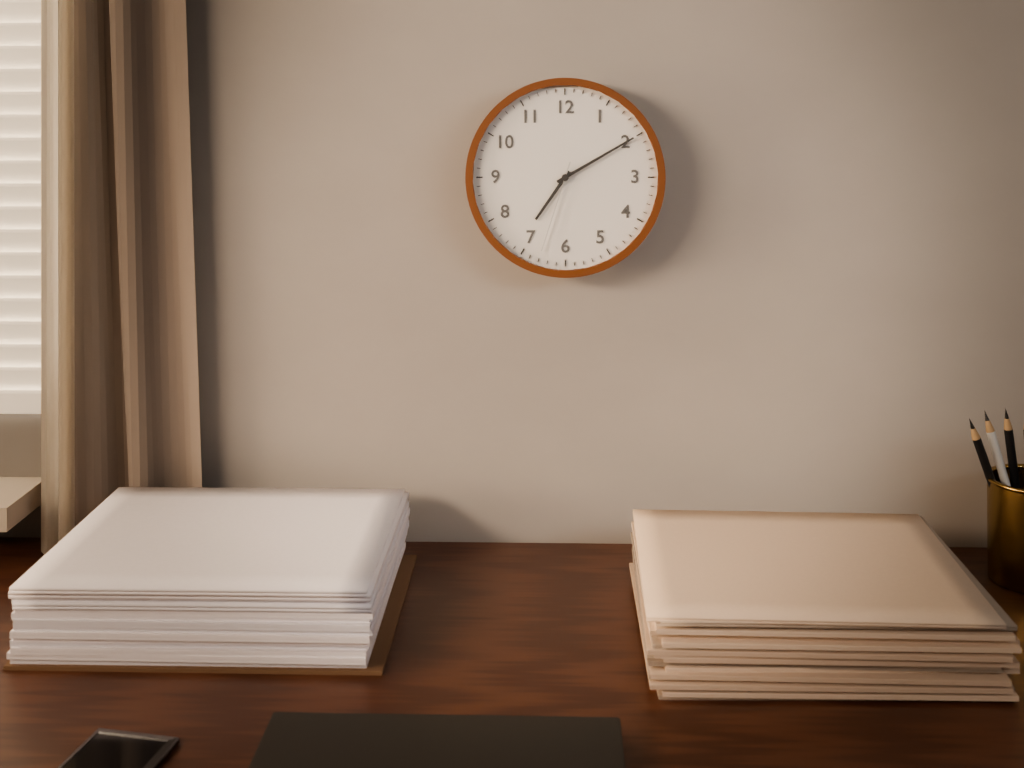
h=7 m=10 s=33
